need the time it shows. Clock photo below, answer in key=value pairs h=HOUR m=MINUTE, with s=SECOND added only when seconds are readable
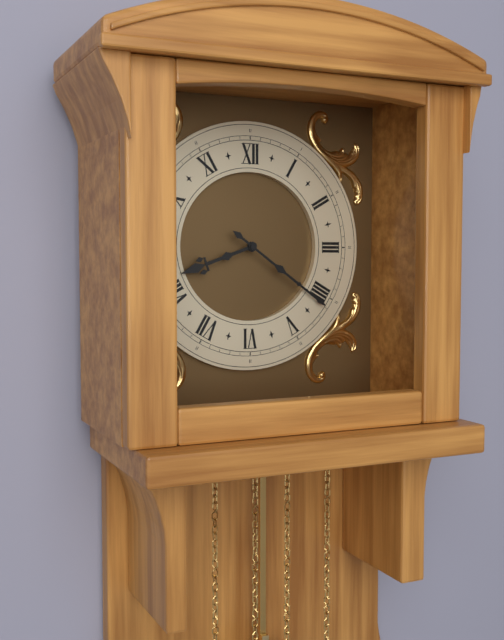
h=8 m=21
